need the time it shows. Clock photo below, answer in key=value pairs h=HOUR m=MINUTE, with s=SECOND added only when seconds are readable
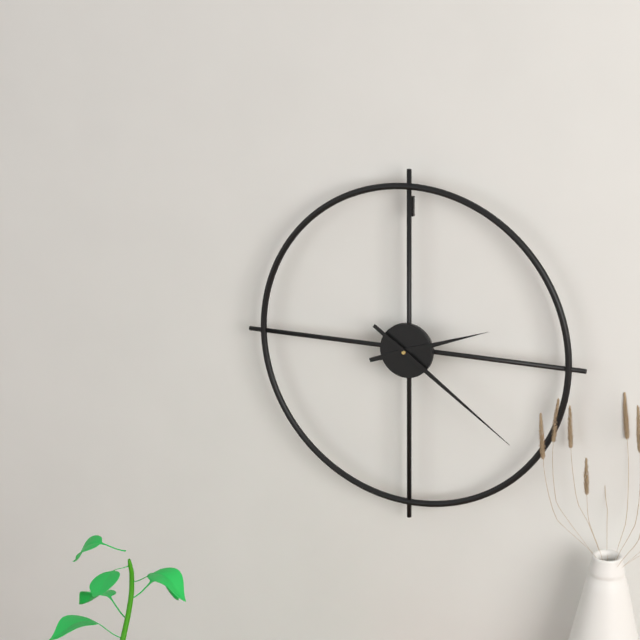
h=2 m=21
